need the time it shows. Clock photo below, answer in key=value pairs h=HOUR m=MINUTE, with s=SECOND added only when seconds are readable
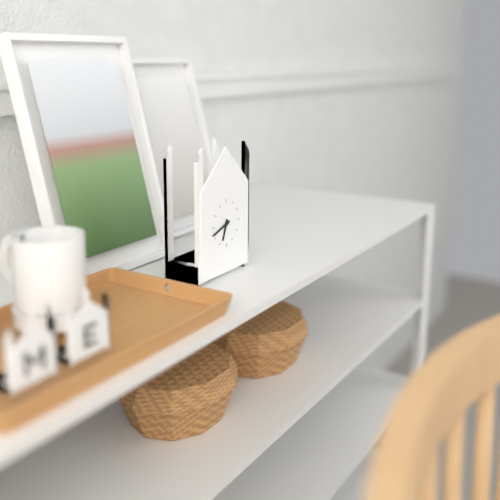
h=6 m=42
